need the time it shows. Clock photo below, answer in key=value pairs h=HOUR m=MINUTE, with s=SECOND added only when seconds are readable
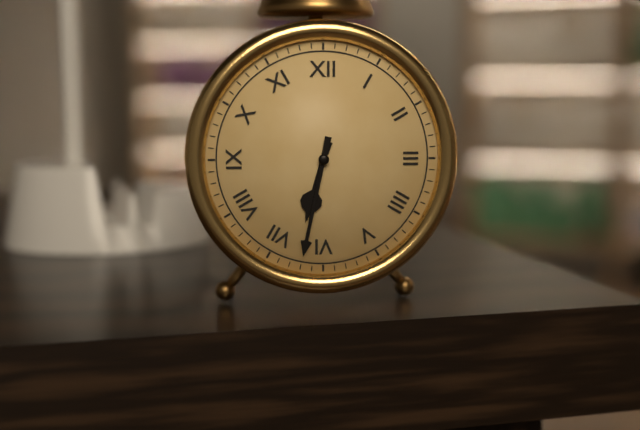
h=6 m=32
